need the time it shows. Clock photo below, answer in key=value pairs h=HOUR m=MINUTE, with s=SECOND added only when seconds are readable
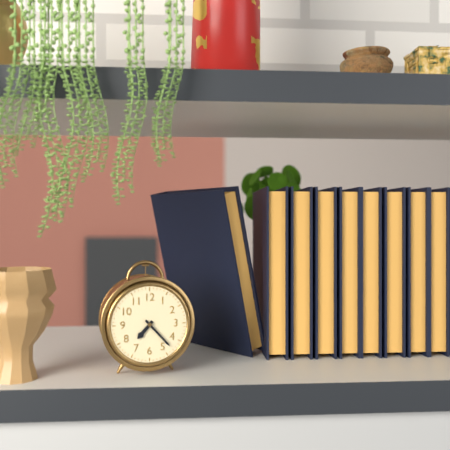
h=7 m=23
